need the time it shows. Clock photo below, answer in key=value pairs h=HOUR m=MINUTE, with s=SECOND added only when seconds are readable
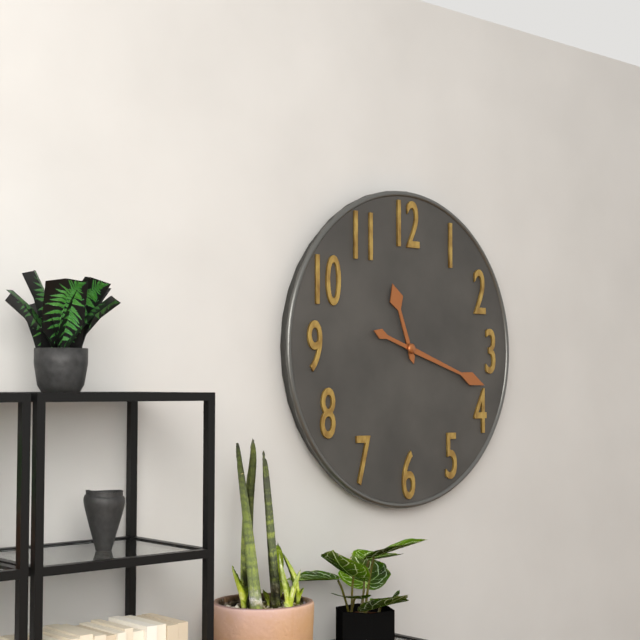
h=11 m=18
